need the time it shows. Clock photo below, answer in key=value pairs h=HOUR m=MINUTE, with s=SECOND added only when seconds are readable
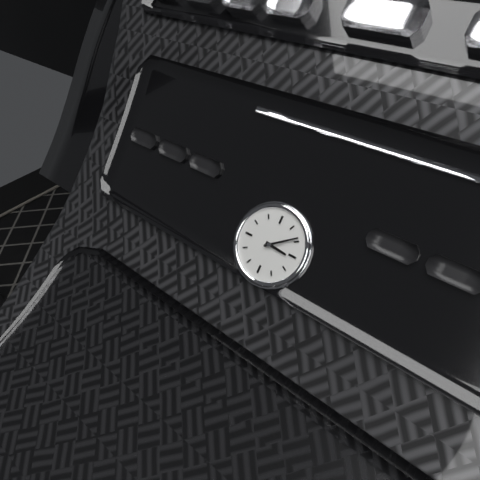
h=3 m=9
